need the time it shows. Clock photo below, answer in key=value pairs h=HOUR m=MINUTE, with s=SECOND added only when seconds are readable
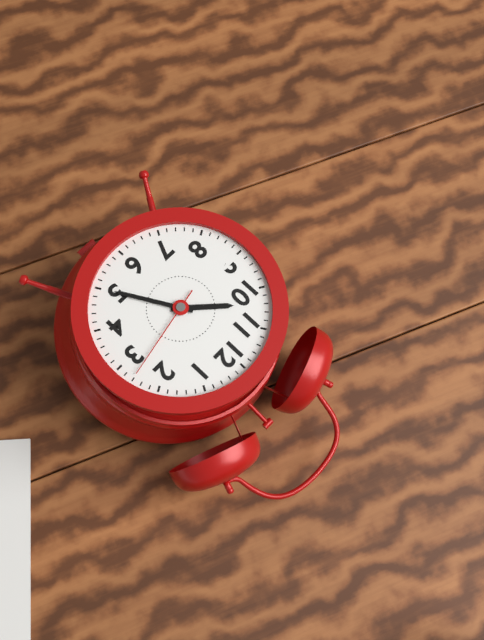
h=10 m=25 s=13
